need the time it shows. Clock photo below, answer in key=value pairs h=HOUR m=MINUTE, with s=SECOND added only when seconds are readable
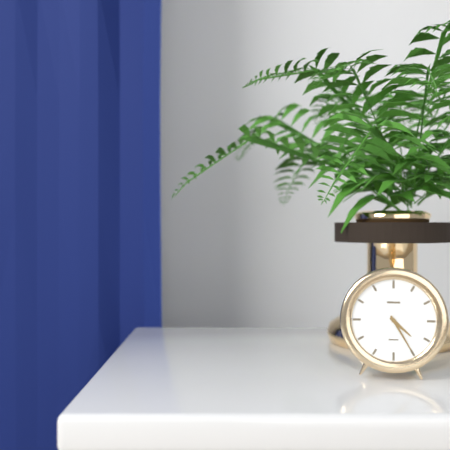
h=4 m=25
